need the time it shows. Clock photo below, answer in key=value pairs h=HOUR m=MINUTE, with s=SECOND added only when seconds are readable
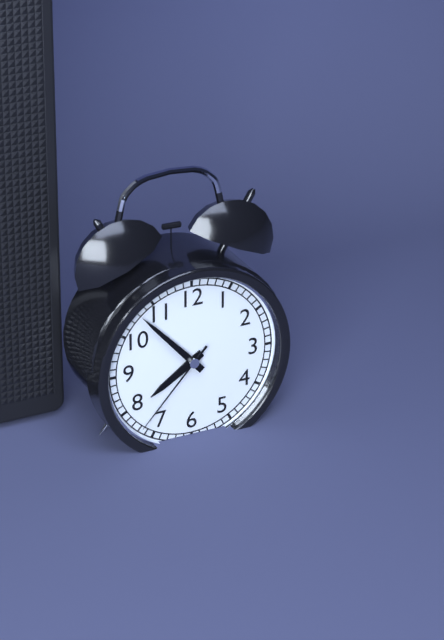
h=7 m=53 s=37
